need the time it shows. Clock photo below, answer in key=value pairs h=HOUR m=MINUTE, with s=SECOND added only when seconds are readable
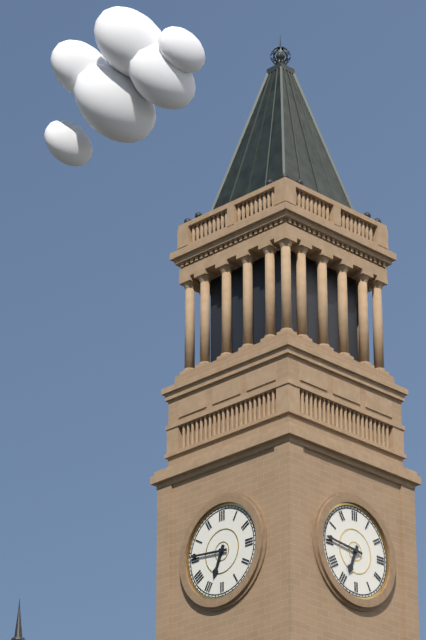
h=6 m=46
